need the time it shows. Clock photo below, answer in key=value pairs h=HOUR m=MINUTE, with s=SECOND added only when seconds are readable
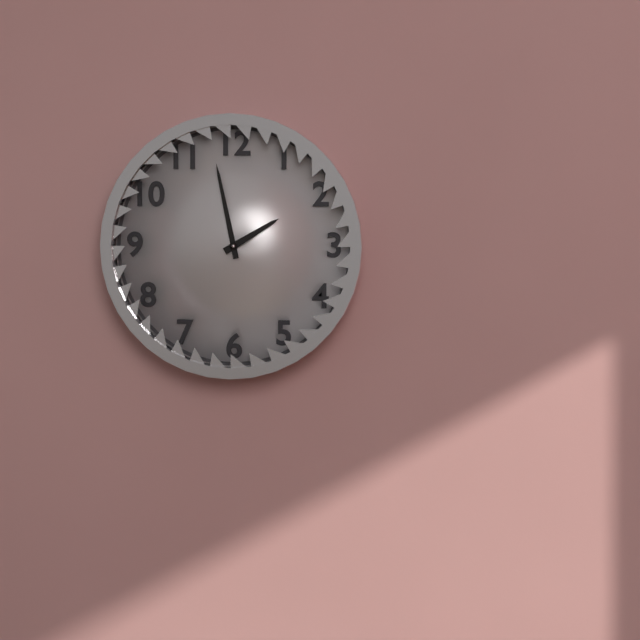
h=1 m=58
